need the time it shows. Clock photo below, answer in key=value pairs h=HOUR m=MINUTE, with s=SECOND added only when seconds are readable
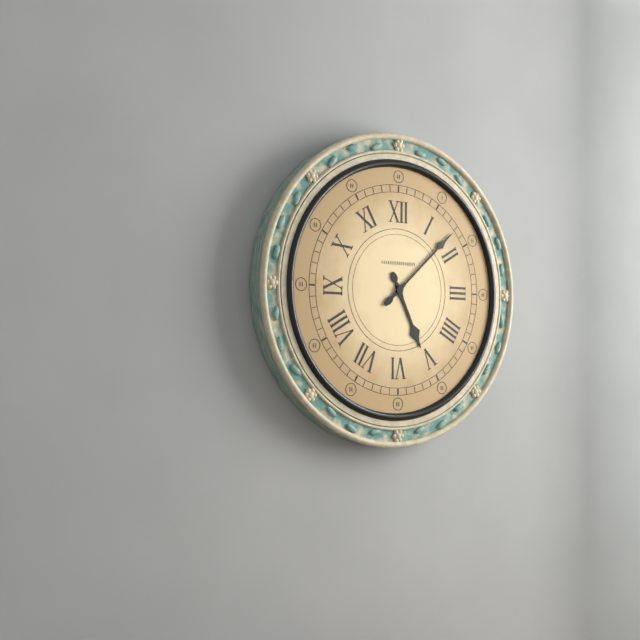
h=5 m=8
